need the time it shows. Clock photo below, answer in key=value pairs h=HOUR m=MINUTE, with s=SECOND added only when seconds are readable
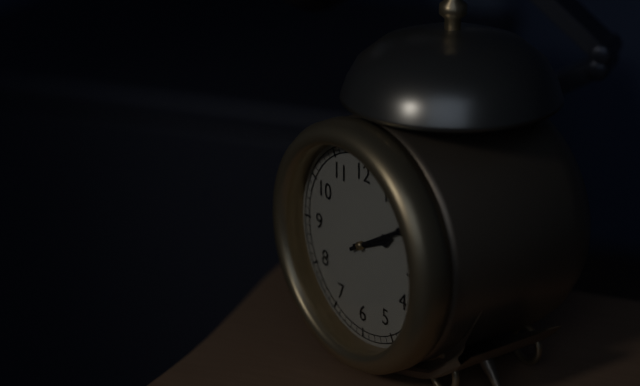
h=2 m=10
